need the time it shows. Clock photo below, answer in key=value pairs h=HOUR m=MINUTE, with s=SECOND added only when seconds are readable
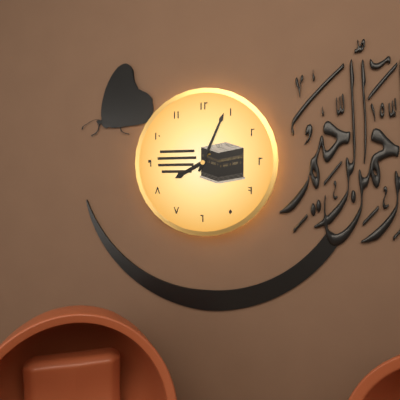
h=8 m=4
